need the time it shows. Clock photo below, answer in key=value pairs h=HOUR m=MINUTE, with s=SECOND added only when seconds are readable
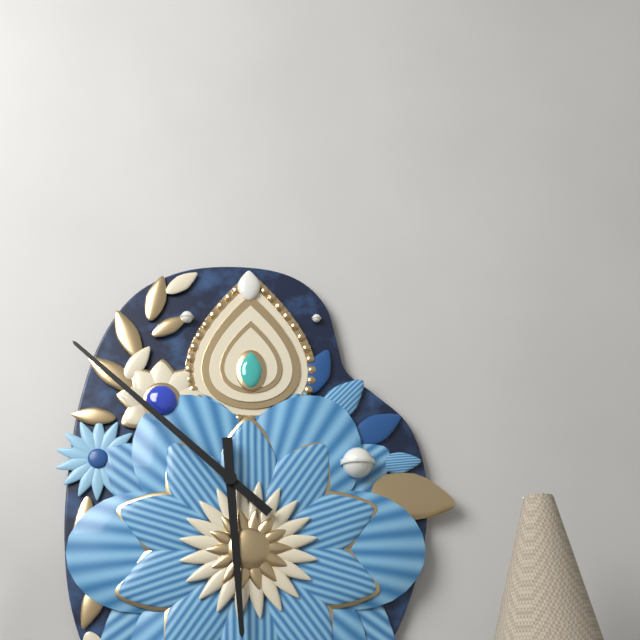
h=5 m=52
